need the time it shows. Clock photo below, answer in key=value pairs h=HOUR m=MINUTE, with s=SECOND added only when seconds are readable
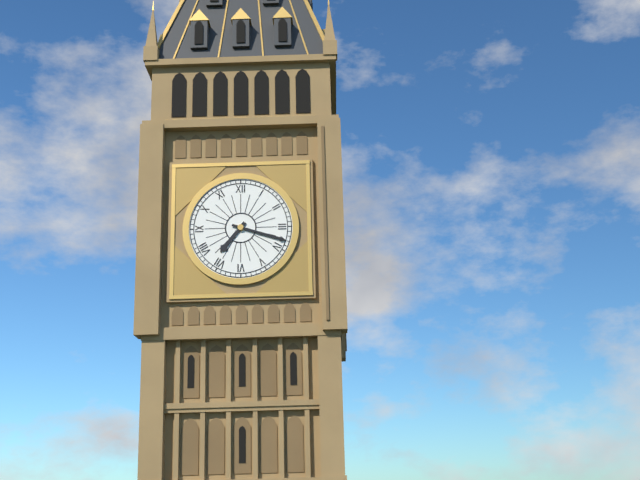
h=7 m=18
